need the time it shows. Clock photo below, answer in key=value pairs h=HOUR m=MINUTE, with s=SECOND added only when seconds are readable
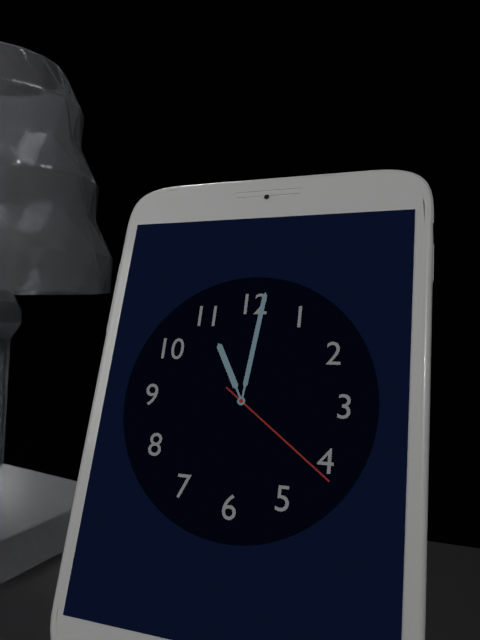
h=11 m=1 s=21
